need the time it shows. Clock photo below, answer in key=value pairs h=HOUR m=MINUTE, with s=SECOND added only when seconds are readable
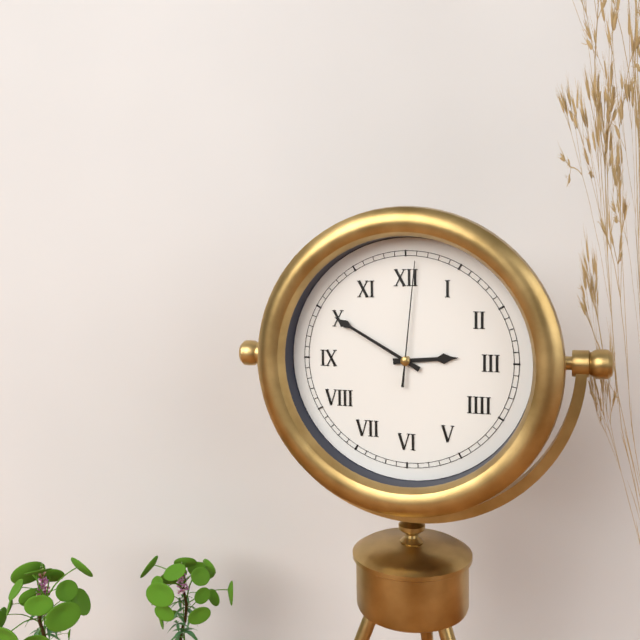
h=2 m=50 s=1
